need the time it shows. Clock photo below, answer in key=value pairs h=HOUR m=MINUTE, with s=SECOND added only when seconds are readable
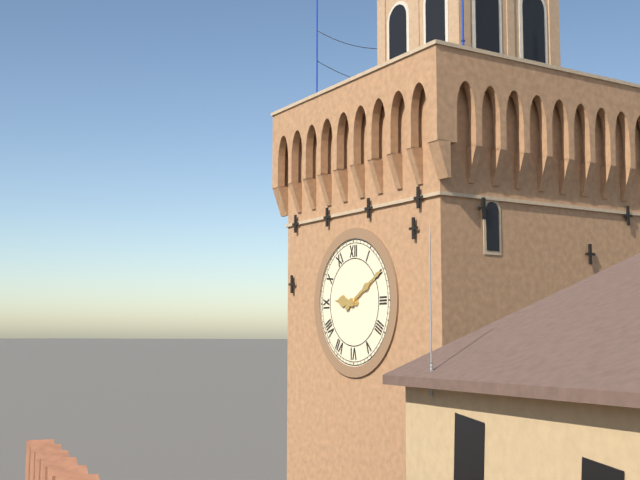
h=9 m=10
